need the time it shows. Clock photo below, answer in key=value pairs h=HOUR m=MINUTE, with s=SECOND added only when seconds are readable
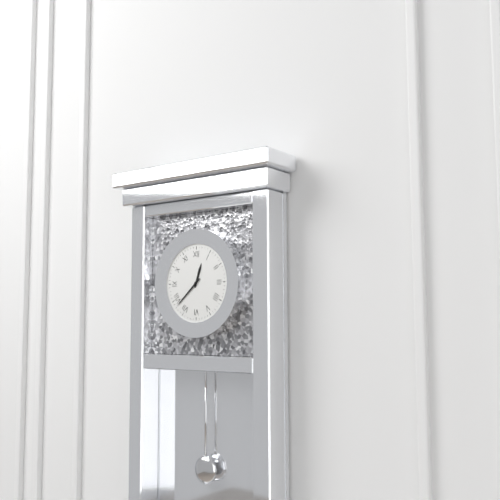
h=12 m=38
